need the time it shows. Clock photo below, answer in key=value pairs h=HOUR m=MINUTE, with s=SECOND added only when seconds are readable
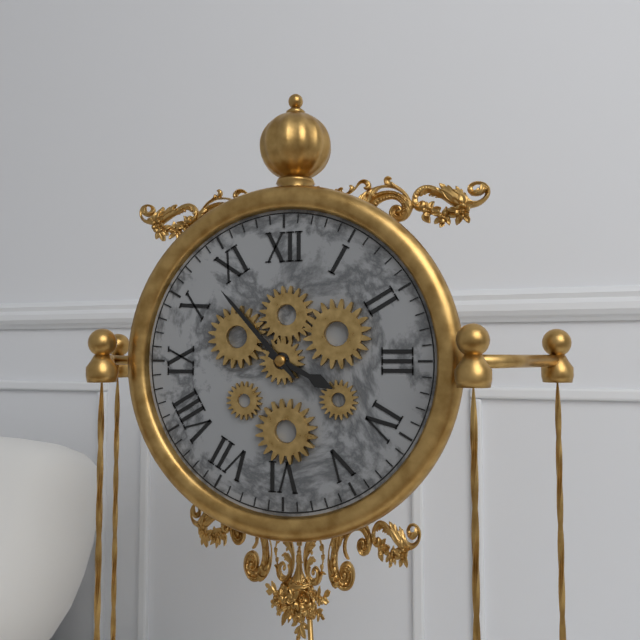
h=3 m=53
